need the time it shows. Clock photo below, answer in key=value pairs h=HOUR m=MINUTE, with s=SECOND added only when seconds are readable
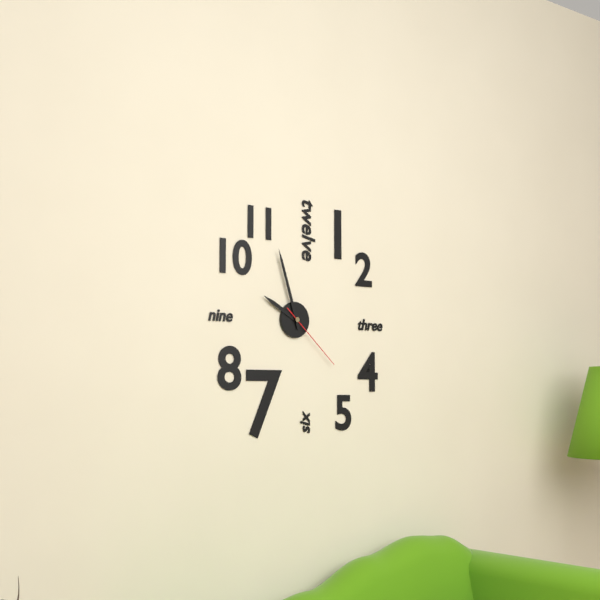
h=9 m=57 s=22
